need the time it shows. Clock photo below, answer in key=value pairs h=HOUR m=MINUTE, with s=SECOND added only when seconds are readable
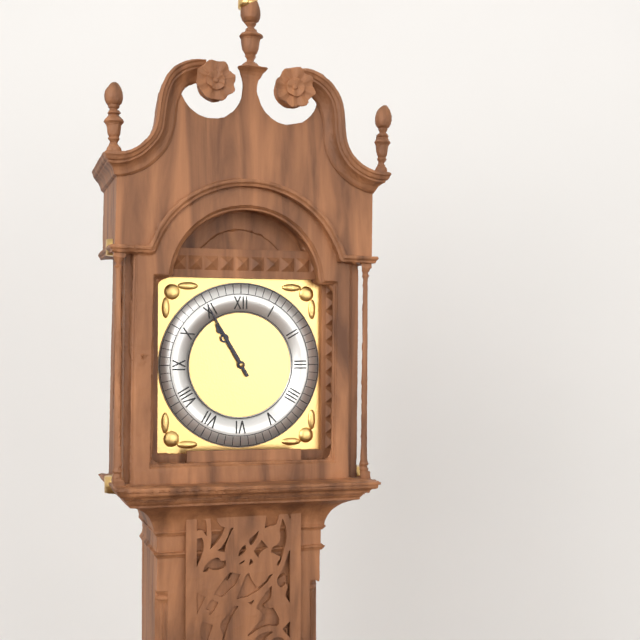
h=10 m=55
